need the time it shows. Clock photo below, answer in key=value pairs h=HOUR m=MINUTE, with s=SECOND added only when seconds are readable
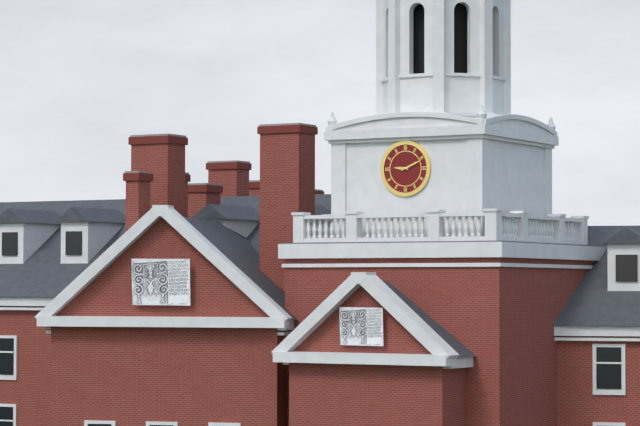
h=9 m=11
